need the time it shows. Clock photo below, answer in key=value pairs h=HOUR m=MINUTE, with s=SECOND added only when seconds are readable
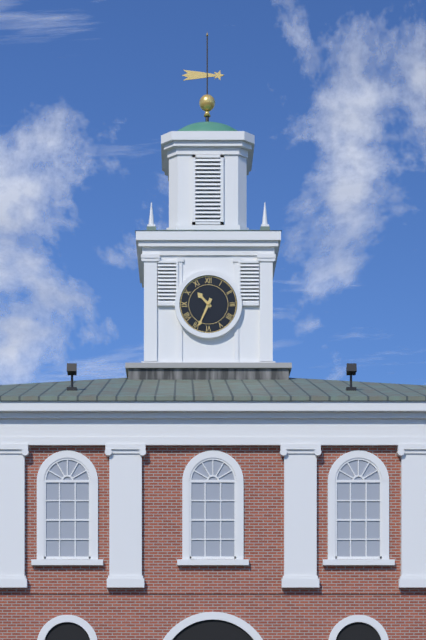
h=10 m=34
